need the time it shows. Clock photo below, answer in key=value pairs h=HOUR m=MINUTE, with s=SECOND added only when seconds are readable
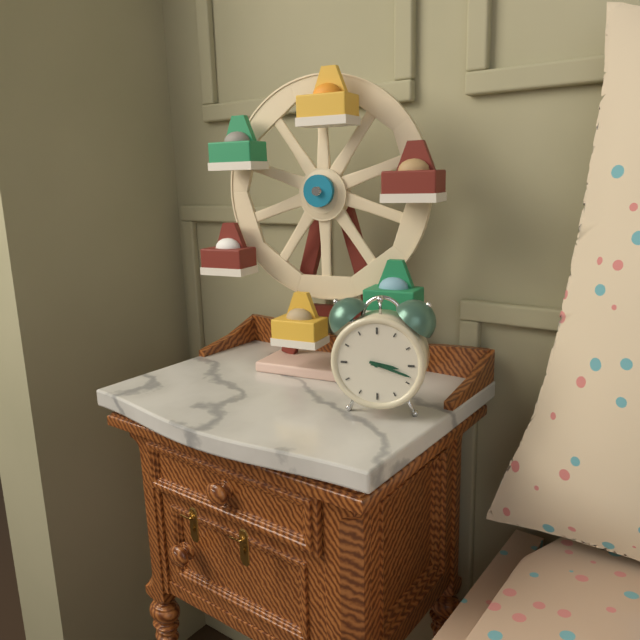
h=3 m=18
